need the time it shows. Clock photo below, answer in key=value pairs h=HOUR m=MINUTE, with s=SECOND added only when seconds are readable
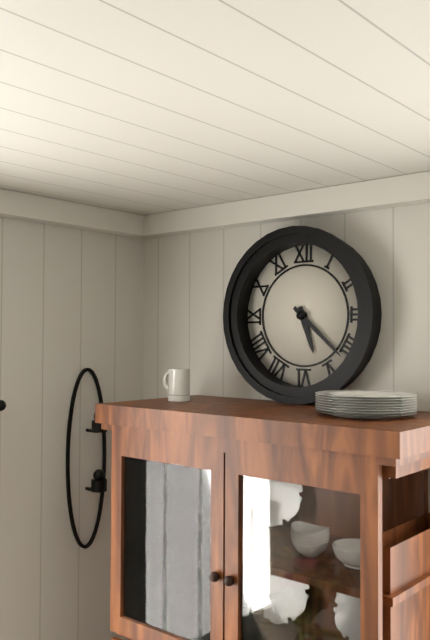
h=5 m=22
